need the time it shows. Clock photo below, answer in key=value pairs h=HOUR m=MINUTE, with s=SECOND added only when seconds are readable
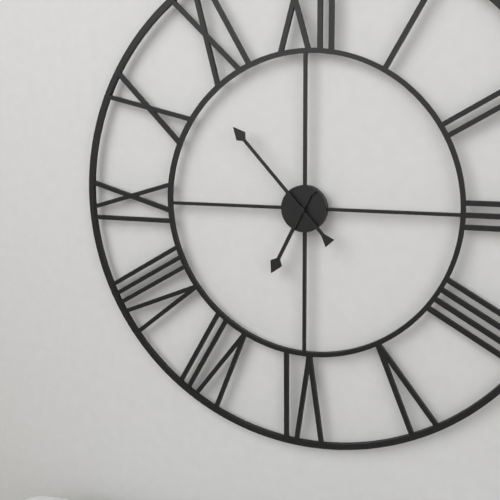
h=6 m=53
